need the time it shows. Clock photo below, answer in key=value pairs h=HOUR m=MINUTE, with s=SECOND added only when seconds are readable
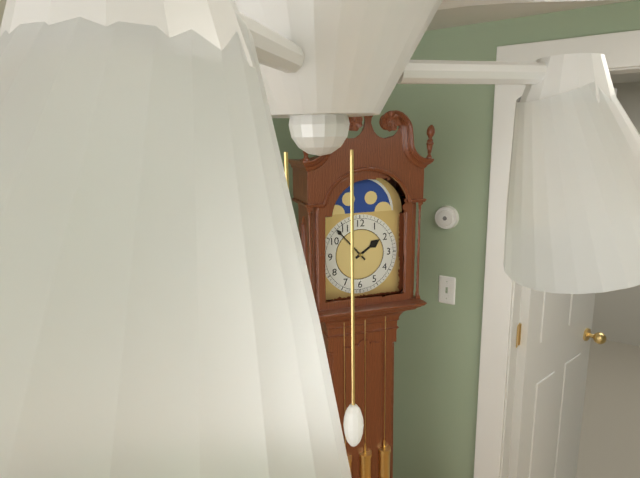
h=1 m=53
